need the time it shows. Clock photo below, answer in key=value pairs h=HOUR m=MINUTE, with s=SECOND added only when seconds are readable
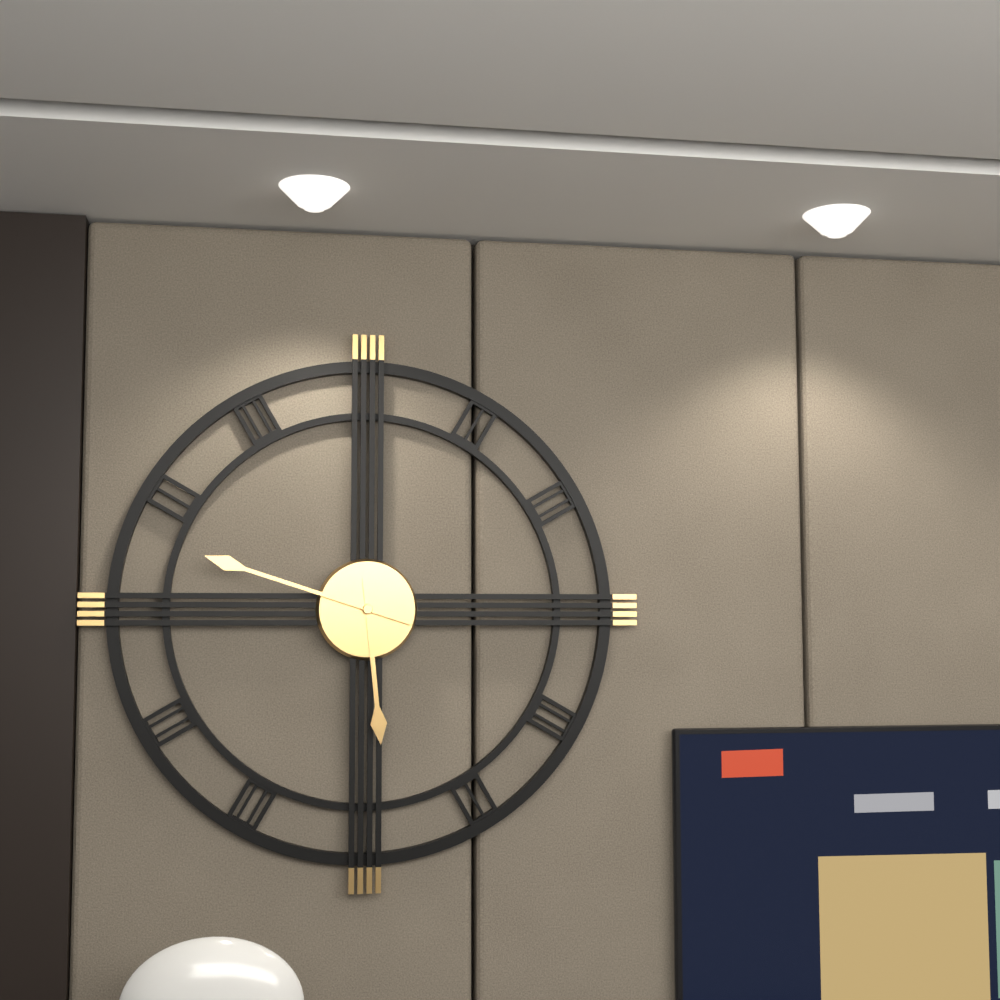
h=5 m=48
